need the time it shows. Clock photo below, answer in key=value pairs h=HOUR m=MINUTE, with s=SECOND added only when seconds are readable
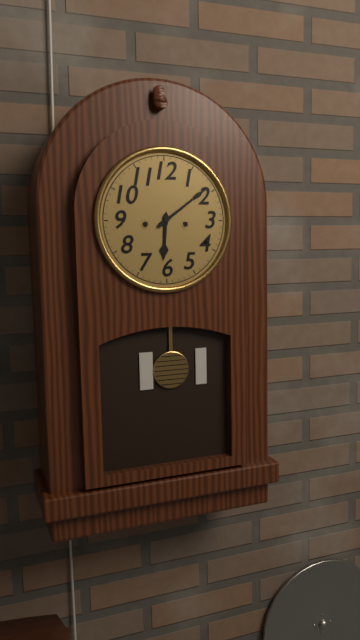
h=6 m=9
